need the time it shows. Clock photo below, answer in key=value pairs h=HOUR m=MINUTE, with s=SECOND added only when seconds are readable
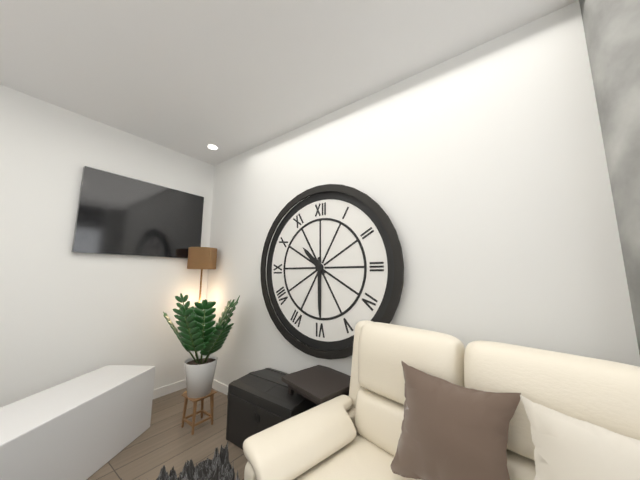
h=10 m=30
